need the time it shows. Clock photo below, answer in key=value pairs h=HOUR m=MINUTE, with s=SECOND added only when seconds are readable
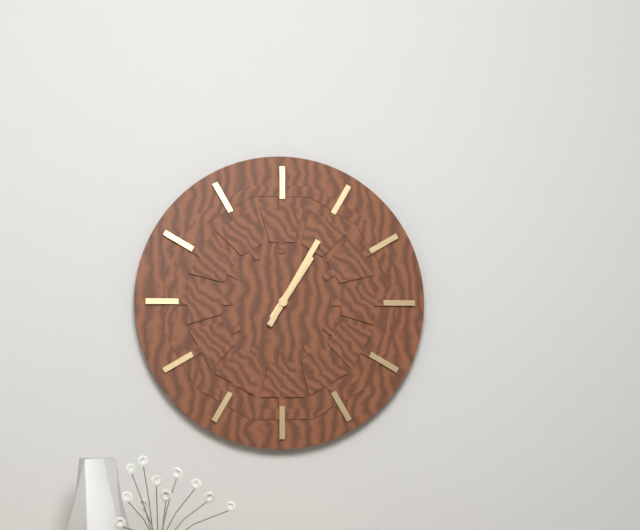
h=1 m=5
